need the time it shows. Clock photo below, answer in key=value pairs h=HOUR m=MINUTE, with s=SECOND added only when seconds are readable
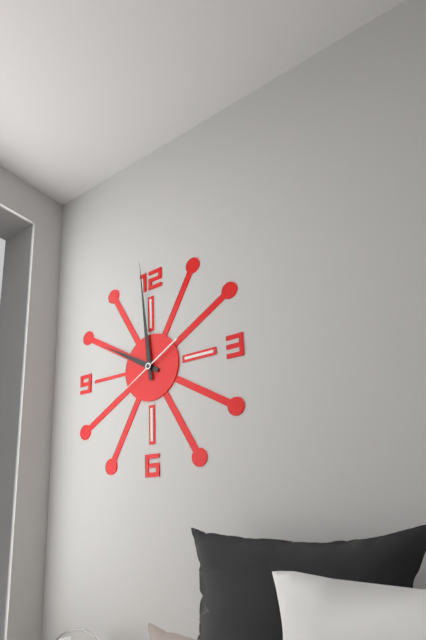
h=9 m=59 s=40
